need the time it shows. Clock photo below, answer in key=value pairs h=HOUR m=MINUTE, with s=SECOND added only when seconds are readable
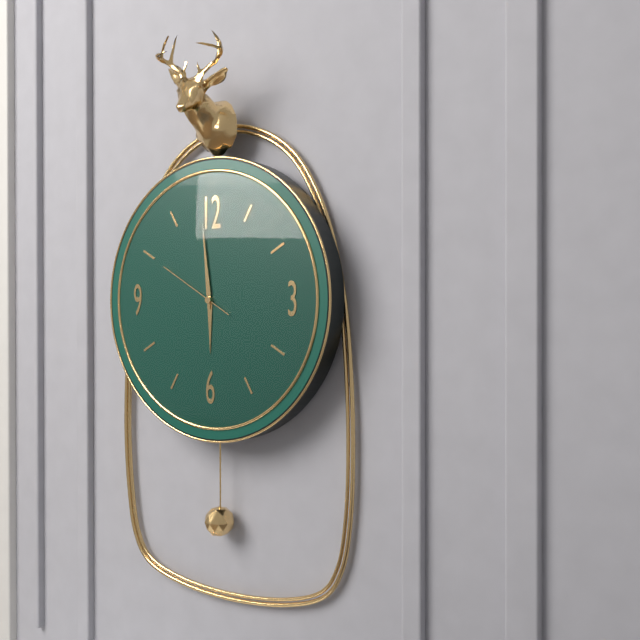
h=5 m=59 s=50
